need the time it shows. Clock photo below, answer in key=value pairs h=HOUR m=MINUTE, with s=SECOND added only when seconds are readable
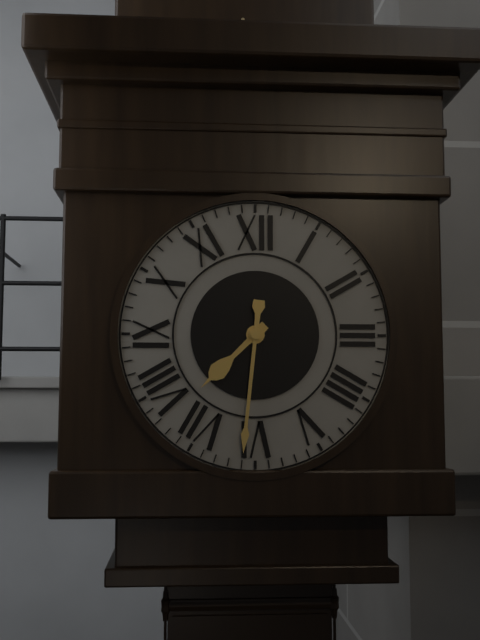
h=7 m=31
